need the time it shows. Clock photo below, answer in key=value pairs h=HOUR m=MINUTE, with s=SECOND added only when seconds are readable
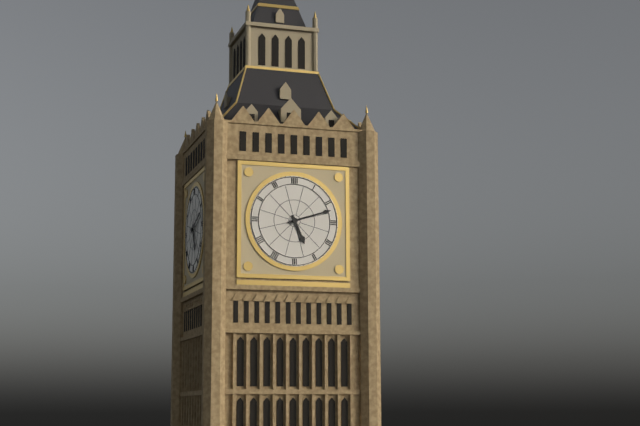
h=5 m=12
